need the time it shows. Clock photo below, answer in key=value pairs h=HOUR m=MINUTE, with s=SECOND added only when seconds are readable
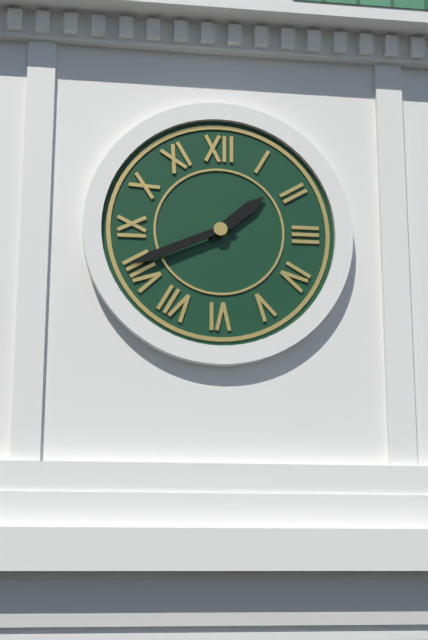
h=1 m=41
